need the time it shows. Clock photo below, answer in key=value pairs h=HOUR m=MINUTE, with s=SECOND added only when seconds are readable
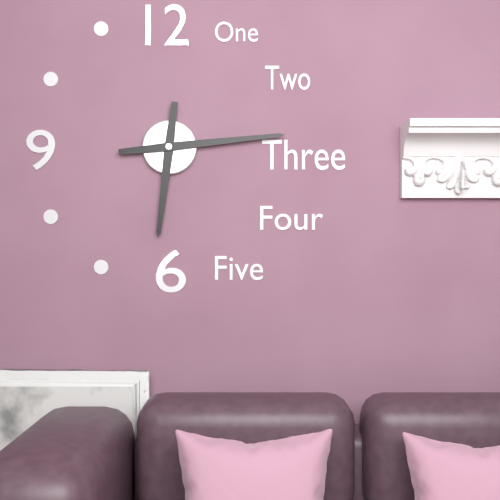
h=6 m=14
